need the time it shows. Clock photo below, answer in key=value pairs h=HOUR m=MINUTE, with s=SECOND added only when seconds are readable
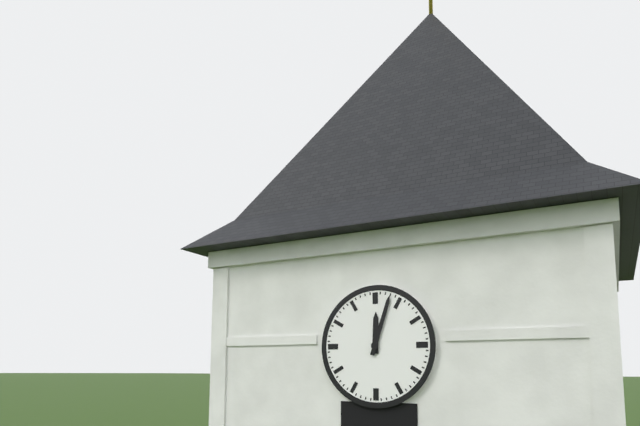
h=12 m=3
